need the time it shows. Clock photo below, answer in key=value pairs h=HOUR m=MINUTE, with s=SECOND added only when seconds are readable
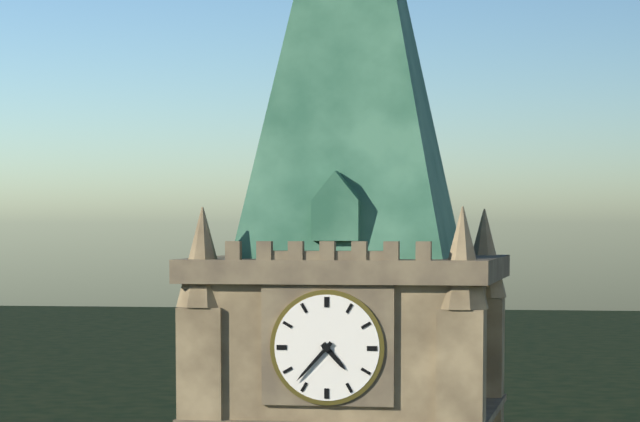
h=4 m=37
